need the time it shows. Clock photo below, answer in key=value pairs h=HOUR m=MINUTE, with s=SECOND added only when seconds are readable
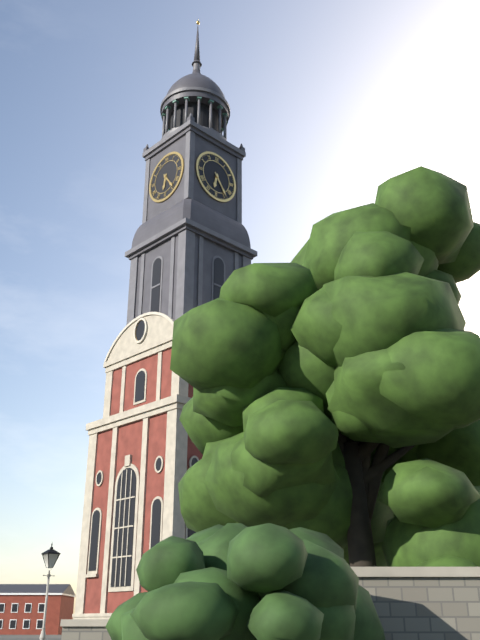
h=6 m=24
